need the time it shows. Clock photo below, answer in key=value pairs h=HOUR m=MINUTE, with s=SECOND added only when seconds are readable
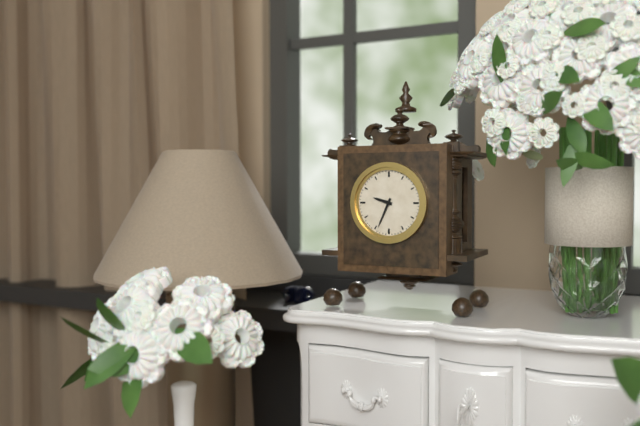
h=9 m=34
